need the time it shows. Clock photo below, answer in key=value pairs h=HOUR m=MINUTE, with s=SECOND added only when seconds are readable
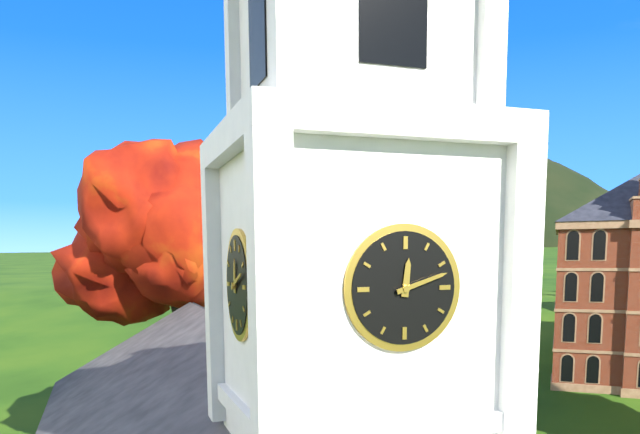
h=12 m=12
